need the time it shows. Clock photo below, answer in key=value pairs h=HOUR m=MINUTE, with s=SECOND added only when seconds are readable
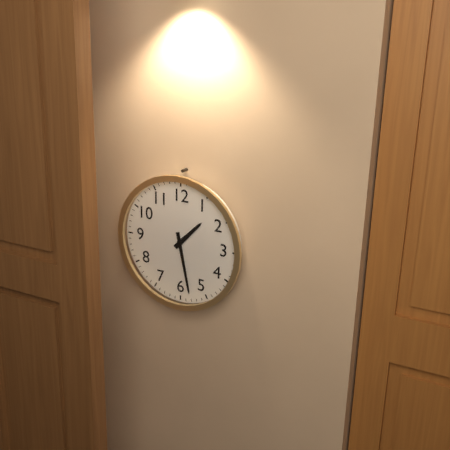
h=1 m=28
